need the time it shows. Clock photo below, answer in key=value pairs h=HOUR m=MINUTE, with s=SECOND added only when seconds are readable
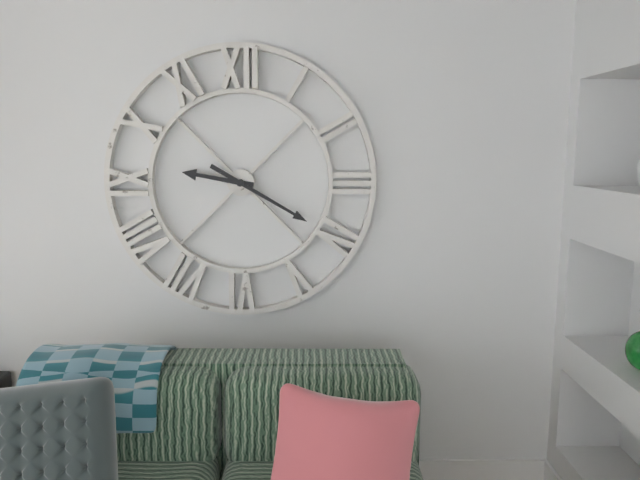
h=9 m=20
